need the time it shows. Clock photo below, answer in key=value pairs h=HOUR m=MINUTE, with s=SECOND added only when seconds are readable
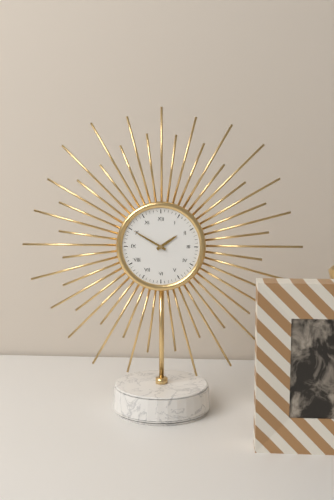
h=1 m=50
